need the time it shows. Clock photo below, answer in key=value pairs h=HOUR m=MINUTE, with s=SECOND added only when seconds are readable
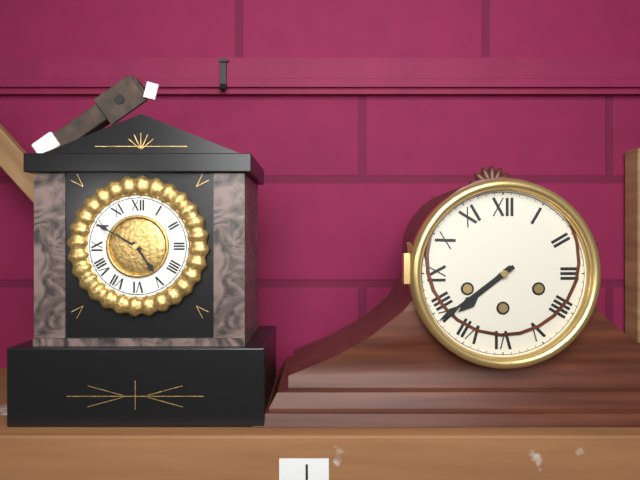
h=7 m=39
